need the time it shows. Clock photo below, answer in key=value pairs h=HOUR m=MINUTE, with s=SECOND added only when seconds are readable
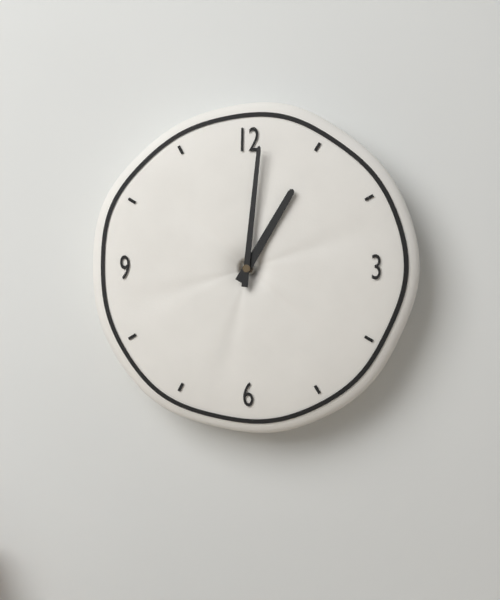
h=1 m=1
